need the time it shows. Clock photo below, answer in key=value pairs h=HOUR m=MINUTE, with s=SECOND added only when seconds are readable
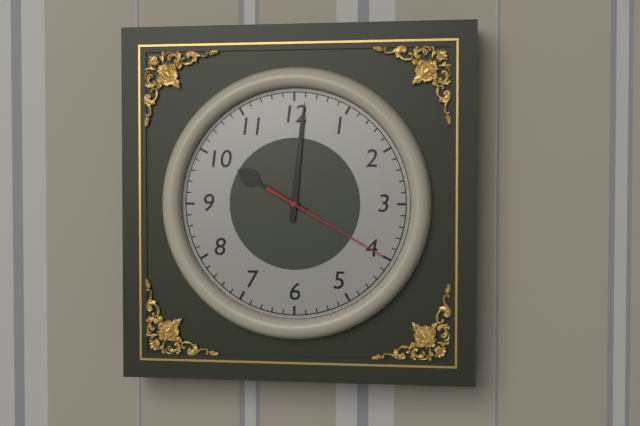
h=10 m=1 s=20
